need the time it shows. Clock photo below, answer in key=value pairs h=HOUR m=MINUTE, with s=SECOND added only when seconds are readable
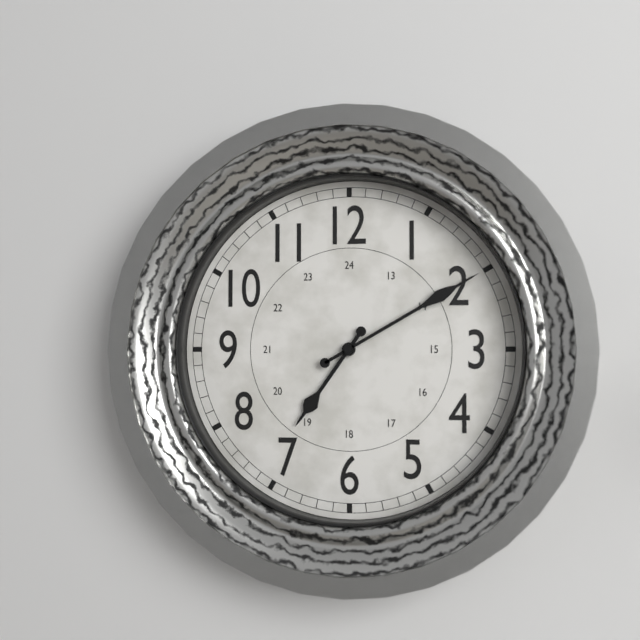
h=7 m=10
